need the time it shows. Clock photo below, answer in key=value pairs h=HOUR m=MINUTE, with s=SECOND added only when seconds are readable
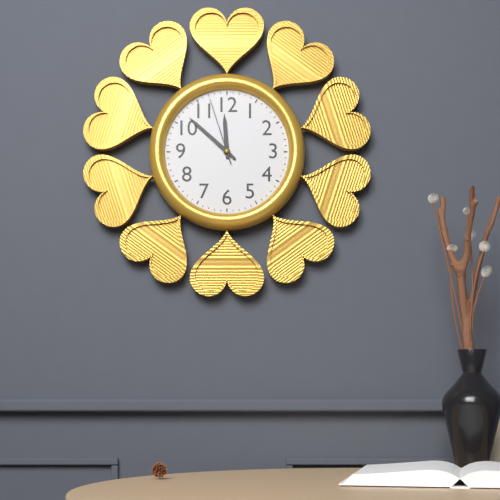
h=11 m=52 s=57
